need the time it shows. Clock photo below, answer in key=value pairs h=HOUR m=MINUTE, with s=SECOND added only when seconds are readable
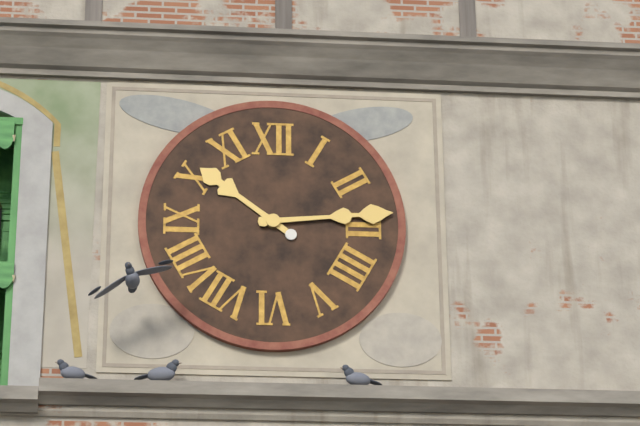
h=10 m=14
